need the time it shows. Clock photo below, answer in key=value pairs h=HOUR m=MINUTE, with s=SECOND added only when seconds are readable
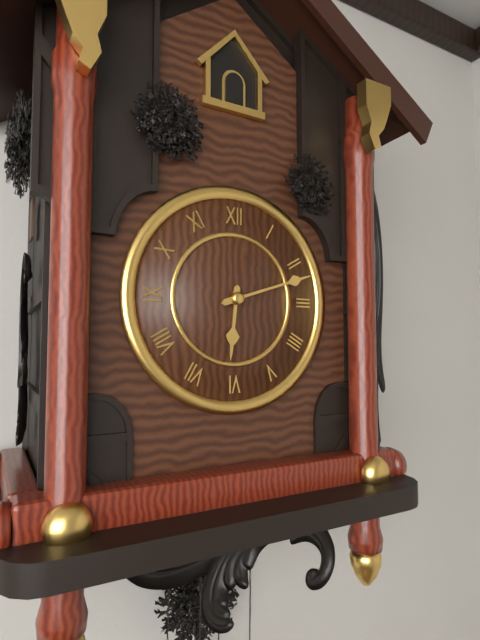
h=6 m=12
